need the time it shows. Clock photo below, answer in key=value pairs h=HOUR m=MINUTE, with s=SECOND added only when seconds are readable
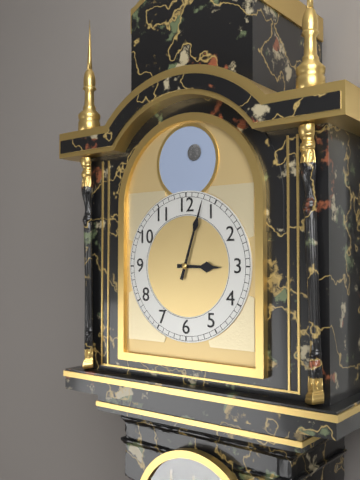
h=3 m=3
